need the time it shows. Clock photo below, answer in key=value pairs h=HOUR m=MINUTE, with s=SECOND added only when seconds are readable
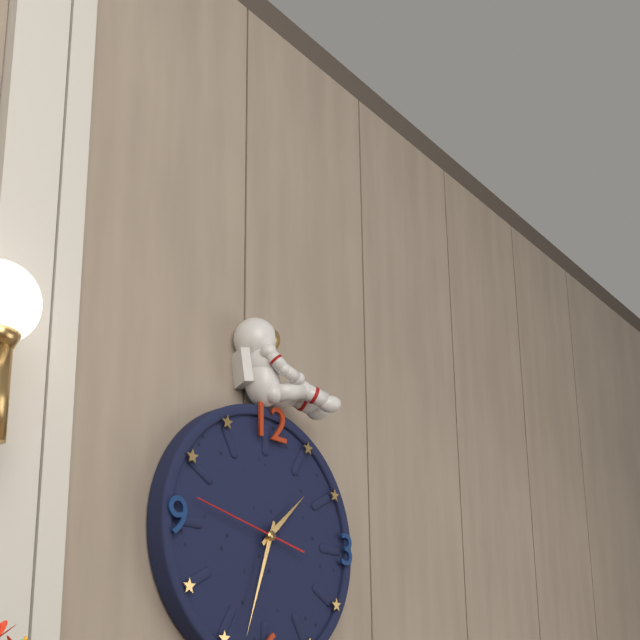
h=1 m=33 s=47
